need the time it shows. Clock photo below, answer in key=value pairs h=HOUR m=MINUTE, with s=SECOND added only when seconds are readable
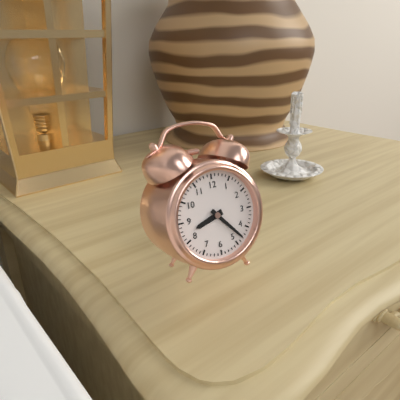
h=8 m=23
